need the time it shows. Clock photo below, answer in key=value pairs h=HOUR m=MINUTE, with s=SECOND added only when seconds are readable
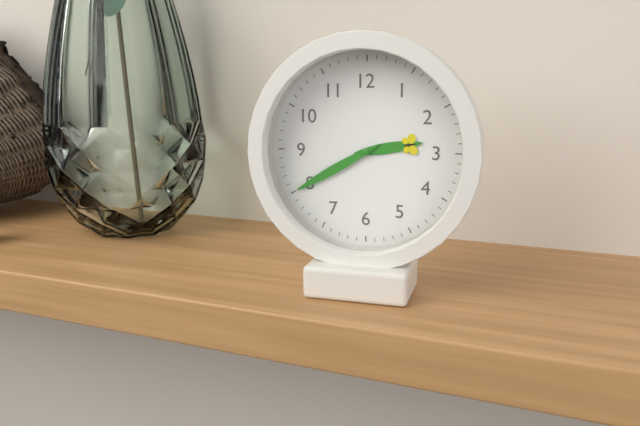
h=2 m=40
